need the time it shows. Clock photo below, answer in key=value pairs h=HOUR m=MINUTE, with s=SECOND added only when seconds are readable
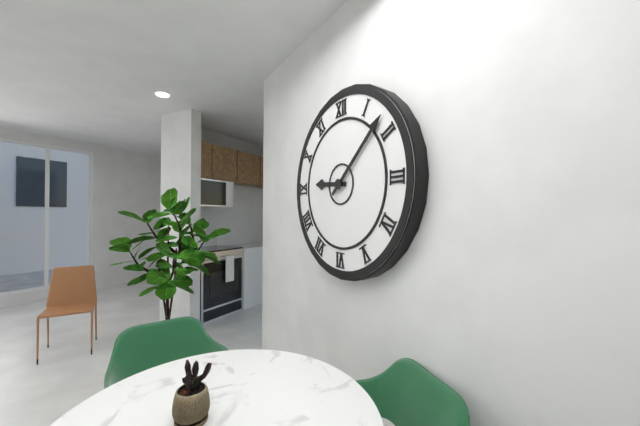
h=9 m=8
